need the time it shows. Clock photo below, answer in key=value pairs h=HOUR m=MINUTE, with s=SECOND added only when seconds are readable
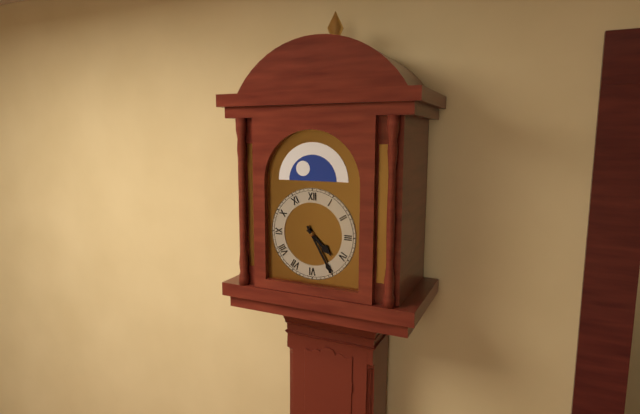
h=4 m=25
